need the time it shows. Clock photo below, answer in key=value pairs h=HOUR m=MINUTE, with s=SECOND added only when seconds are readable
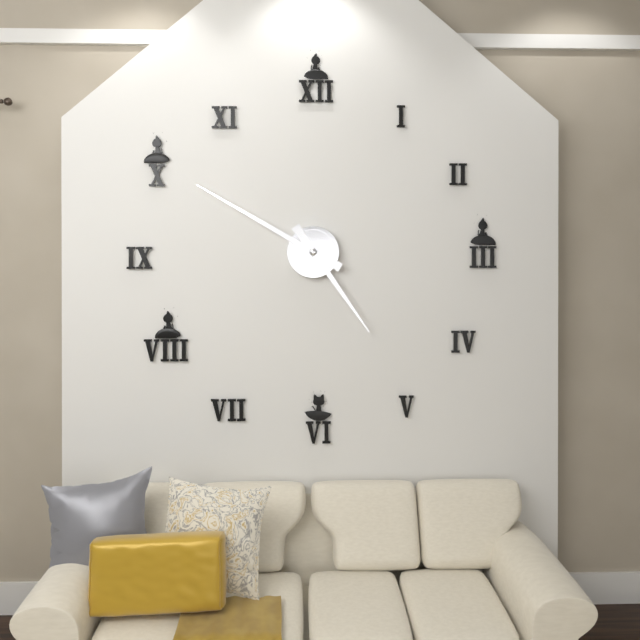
h=4 m=50
